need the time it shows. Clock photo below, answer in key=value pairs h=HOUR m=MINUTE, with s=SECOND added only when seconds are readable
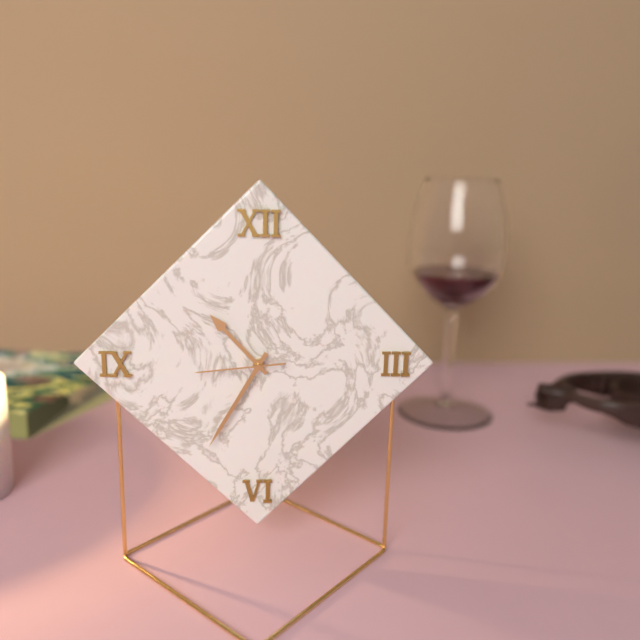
h=10 m=35 s=44
